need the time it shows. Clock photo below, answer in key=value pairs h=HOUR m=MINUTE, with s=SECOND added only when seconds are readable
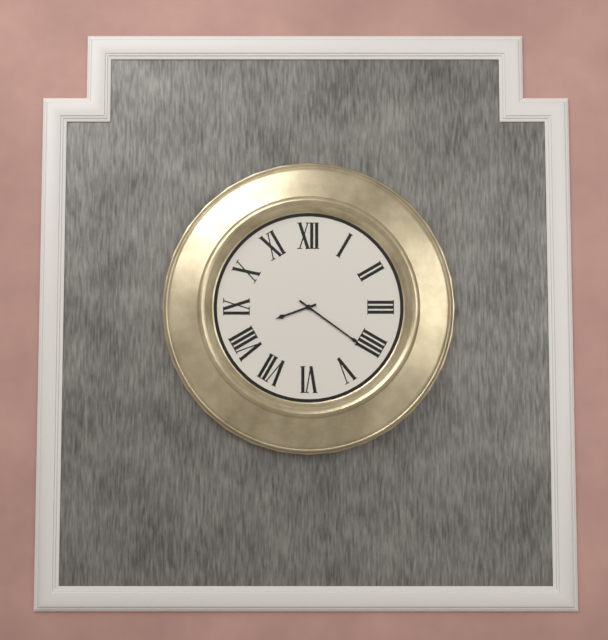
h=8 m=21
